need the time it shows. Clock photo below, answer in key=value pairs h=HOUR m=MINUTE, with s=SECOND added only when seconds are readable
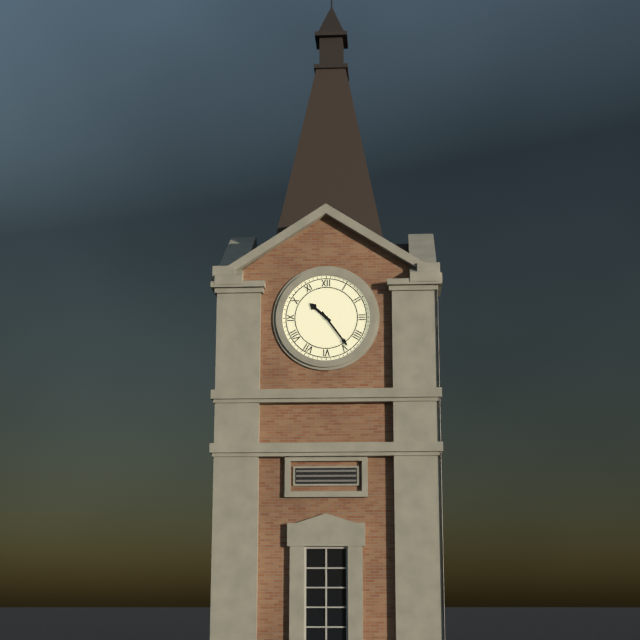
h=10 m=24
